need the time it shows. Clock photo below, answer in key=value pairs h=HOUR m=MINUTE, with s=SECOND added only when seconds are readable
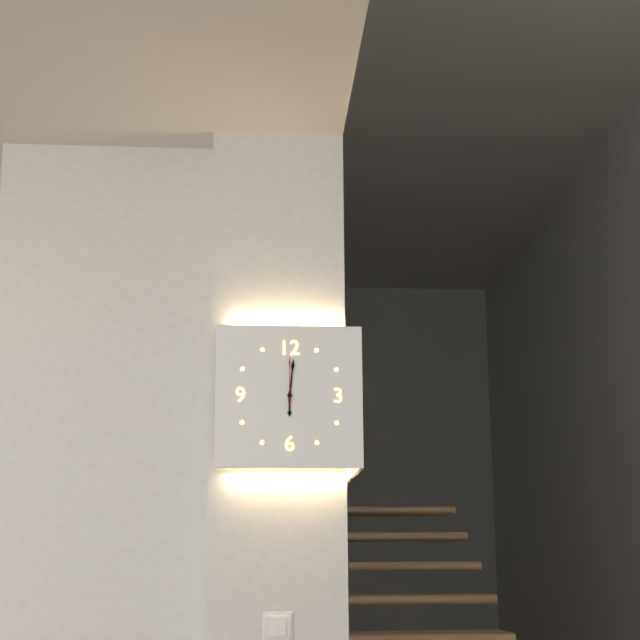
h=6 m=1 s=0
